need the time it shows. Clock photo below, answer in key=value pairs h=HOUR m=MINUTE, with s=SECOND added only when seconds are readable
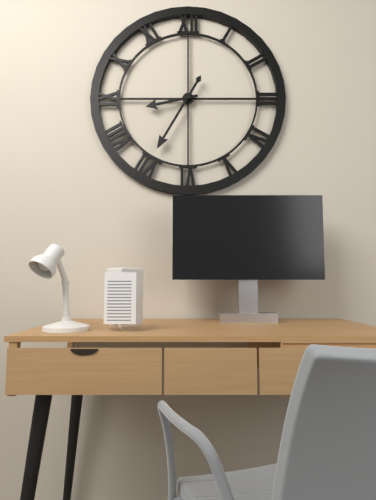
h=8 m=35
